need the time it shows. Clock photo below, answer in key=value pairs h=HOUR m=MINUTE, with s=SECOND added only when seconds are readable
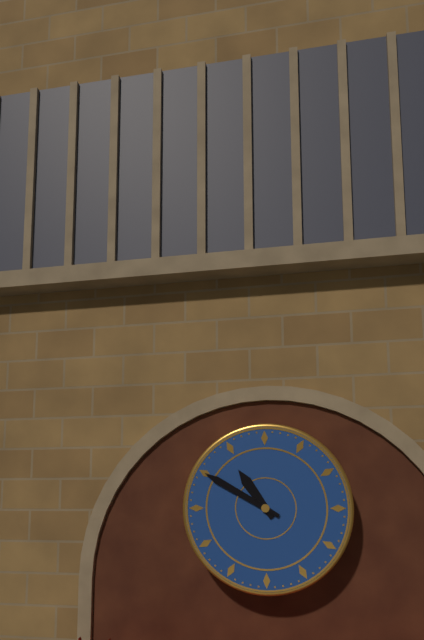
h=10 m=50
